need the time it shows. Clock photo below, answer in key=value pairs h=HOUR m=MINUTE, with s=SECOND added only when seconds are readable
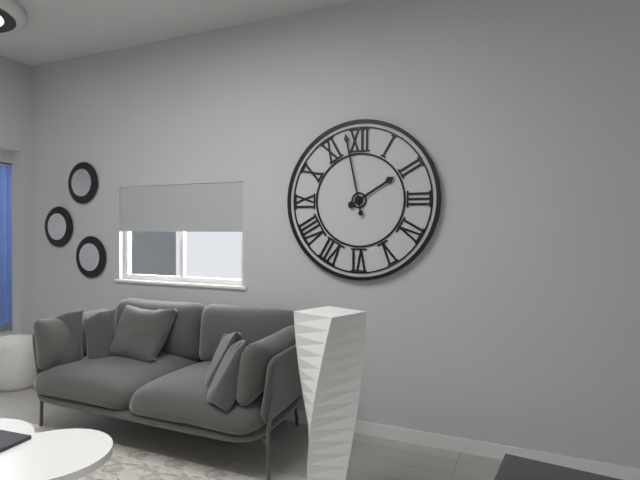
h=1 m=58
